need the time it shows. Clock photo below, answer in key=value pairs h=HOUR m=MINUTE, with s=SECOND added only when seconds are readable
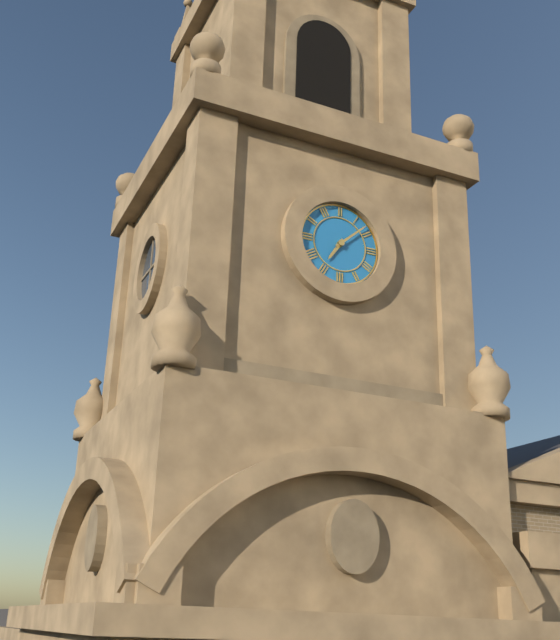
h=7 m=8
